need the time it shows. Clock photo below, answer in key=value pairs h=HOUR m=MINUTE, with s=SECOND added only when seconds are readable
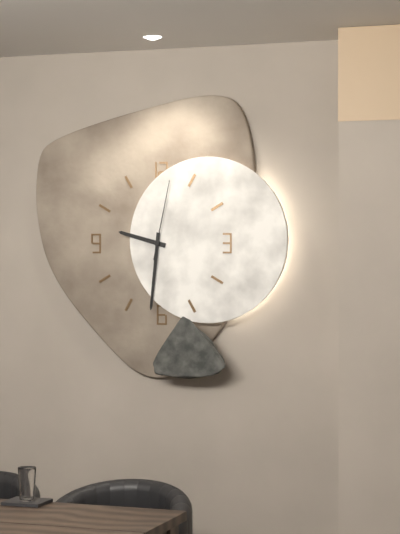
h=9 m=31 s=2
